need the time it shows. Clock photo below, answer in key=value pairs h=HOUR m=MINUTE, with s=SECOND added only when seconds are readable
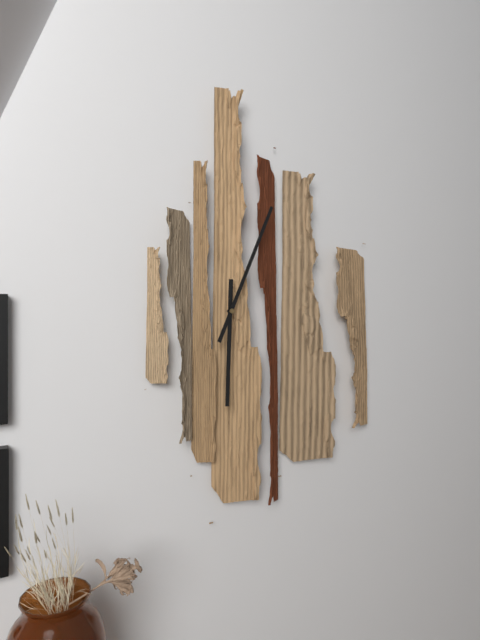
h=6 m=4
